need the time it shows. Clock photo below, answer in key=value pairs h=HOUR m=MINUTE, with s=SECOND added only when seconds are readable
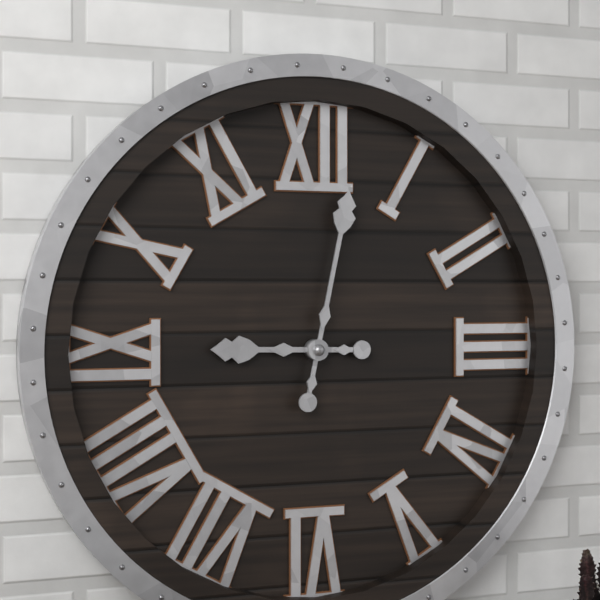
h=9 m=2
